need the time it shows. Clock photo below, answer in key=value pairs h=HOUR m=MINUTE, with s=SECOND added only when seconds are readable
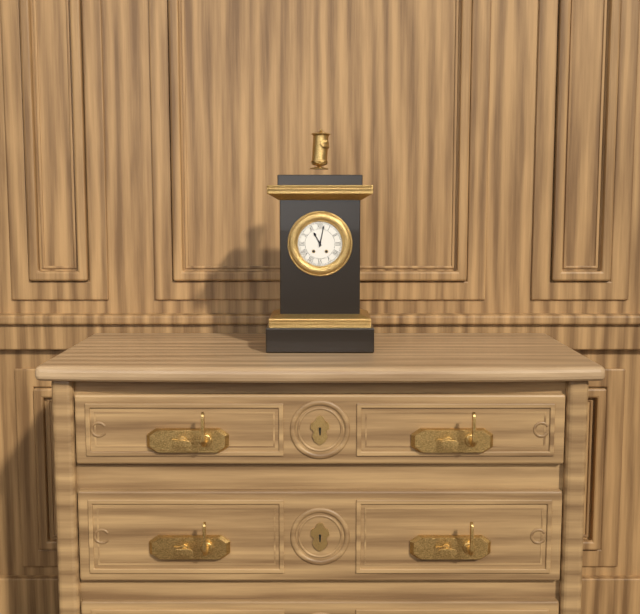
h=11 m=2
